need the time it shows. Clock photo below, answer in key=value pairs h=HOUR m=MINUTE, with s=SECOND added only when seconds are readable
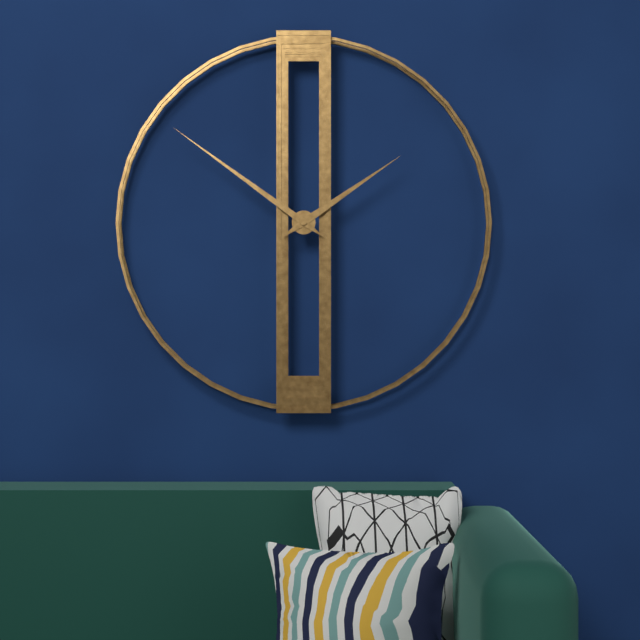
h=1 m=51
